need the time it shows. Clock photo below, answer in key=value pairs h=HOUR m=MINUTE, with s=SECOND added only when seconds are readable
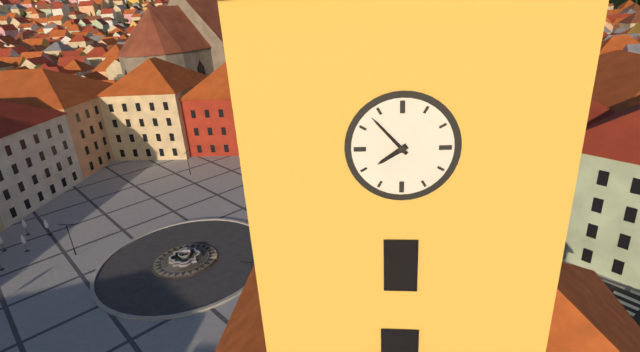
h=7 m=53
